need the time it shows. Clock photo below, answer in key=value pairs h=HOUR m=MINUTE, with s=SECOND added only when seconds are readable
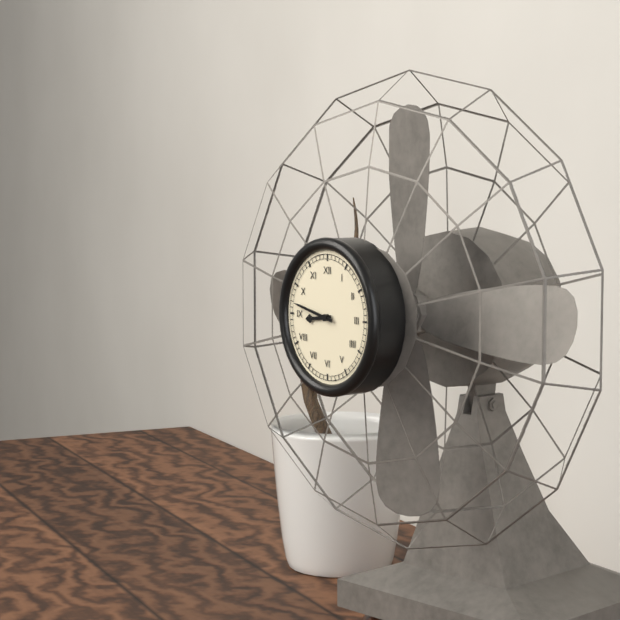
h=8 m=47
